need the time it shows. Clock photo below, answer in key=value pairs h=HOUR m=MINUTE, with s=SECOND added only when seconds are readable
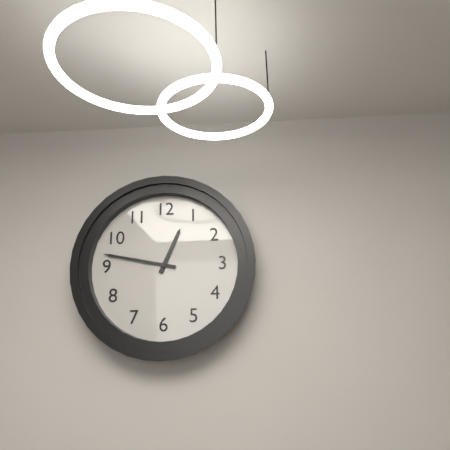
h=12 m=47
